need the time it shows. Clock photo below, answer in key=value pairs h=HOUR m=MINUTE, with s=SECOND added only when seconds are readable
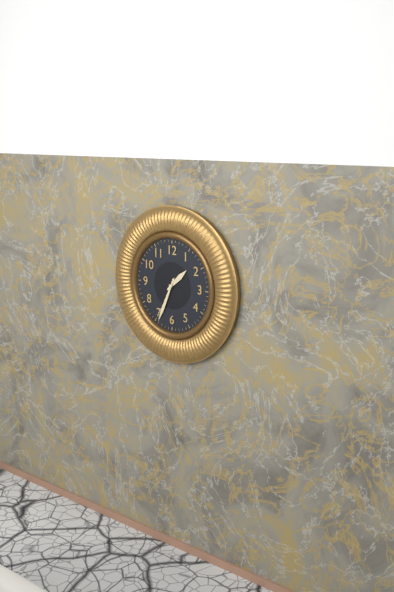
h=1 m=34
